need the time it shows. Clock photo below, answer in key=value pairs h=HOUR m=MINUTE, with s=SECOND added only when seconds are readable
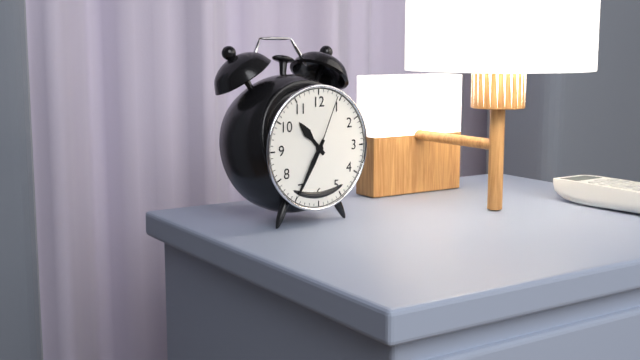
h=10 m=35 s=4
